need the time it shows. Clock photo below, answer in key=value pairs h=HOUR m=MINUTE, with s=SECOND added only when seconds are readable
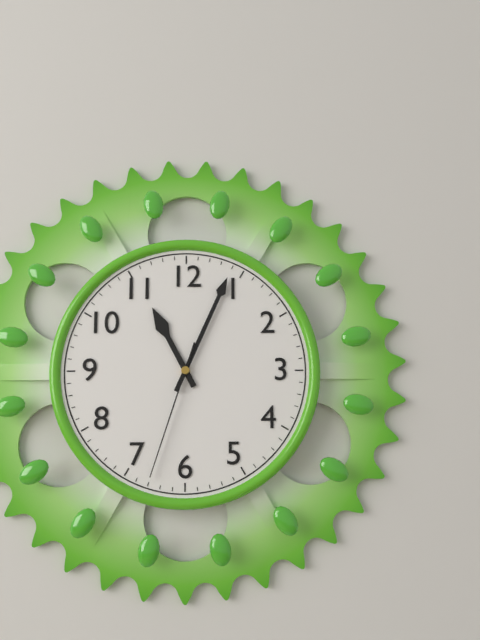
h=11 m=4 s=33
